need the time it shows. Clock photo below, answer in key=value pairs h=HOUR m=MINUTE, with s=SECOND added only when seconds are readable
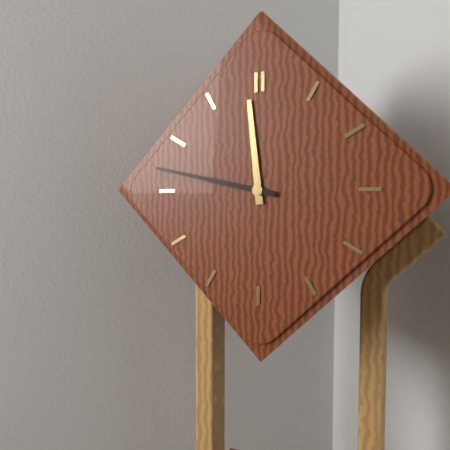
h=11 m=47
